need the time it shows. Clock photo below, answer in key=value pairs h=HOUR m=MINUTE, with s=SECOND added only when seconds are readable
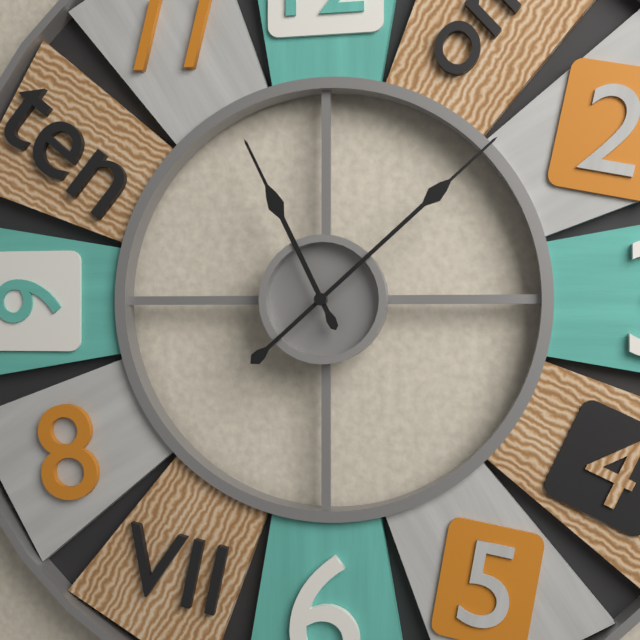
h=11 m=8
